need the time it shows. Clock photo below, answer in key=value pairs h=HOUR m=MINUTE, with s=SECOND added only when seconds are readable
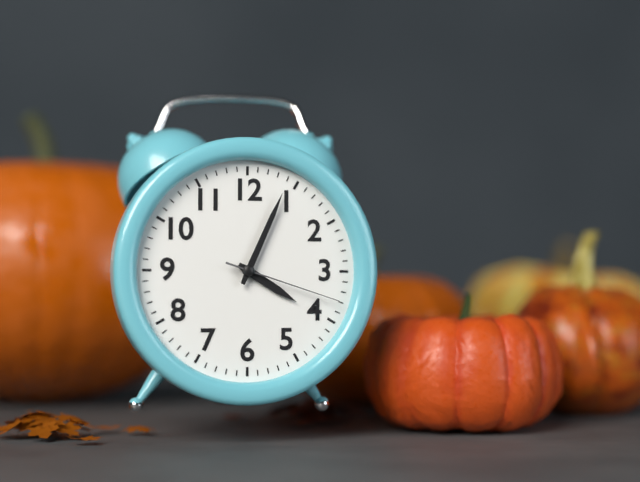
h=4 m=4 s=18
